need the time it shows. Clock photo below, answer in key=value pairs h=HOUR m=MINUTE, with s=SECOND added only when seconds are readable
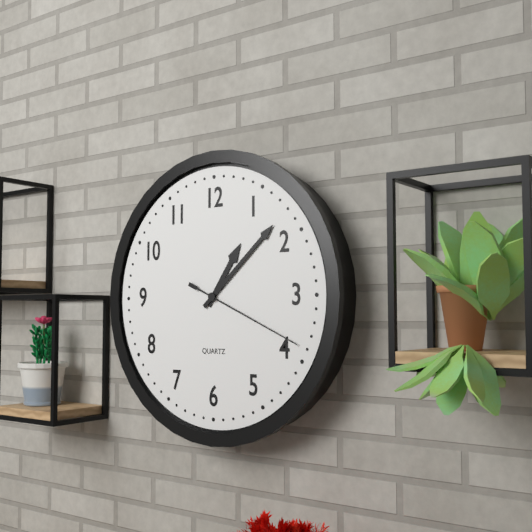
h=1 m=8 s=19
